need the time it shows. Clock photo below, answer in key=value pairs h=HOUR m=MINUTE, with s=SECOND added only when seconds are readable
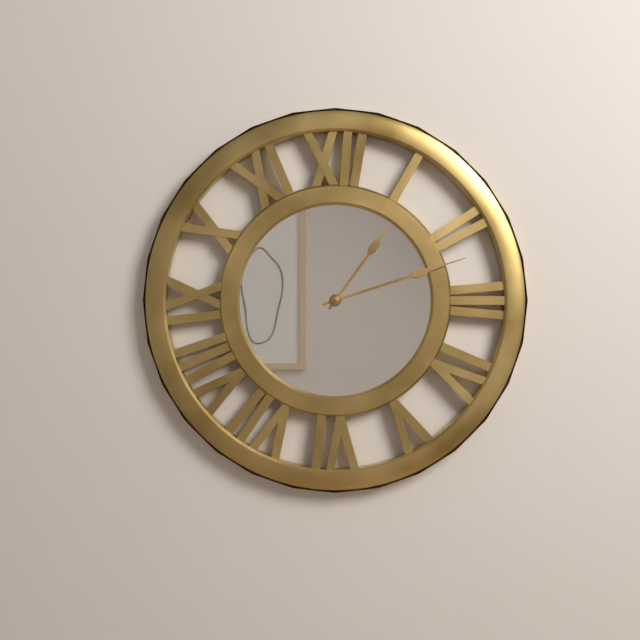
h=1 m=12
